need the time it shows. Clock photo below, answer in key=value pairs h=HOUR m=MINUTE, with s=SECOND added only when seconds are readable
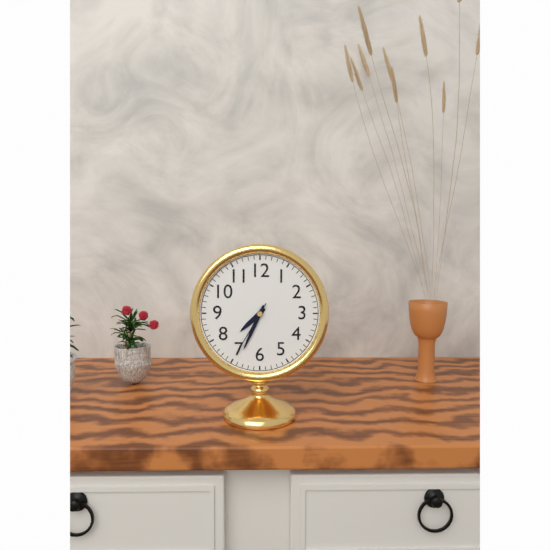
h=7 m=34 s=35
